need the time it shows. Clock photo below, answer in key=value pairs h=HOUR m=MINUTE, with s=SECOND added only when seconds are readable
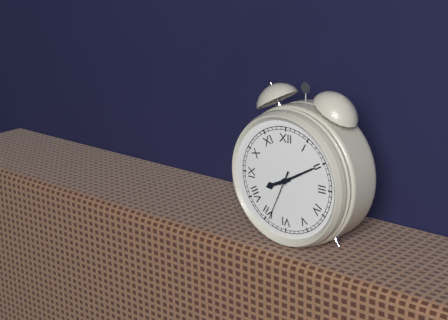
h=8 m=10 s=34
